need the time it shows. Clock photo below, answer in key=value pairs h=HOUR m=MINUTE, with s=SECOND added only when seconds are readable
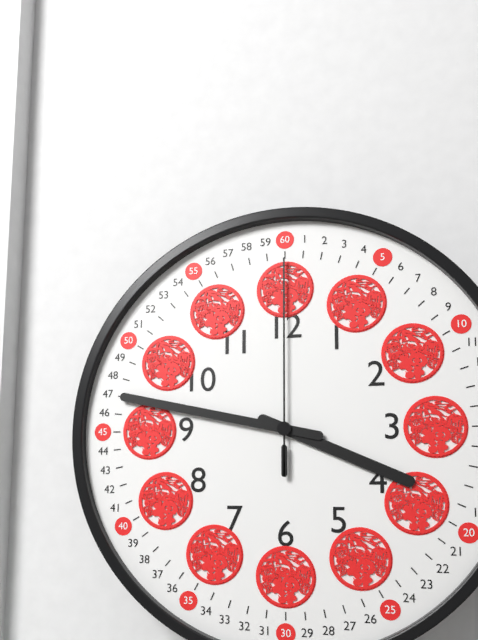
h=3 m=47 s=0
